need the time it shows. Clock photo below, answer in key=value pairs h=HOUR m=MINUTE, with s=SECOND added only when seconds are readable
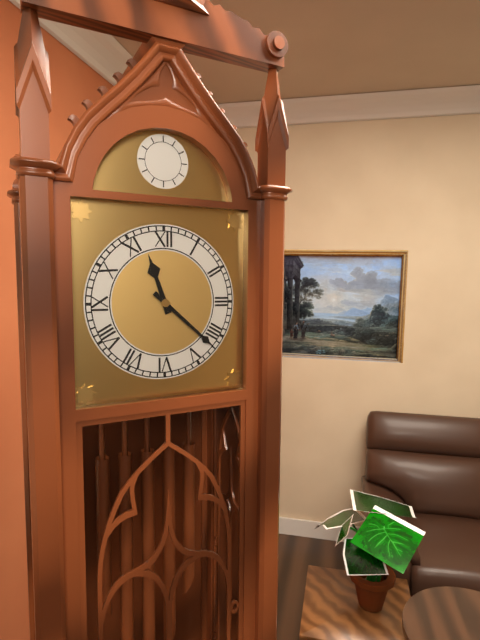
h=11 m=22
